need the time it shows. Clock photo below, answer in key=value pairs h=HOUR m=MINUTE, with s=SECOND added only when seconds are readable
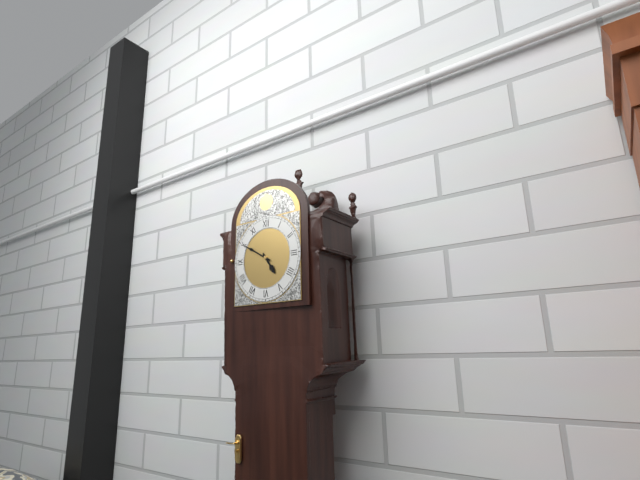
h=4 m=50
